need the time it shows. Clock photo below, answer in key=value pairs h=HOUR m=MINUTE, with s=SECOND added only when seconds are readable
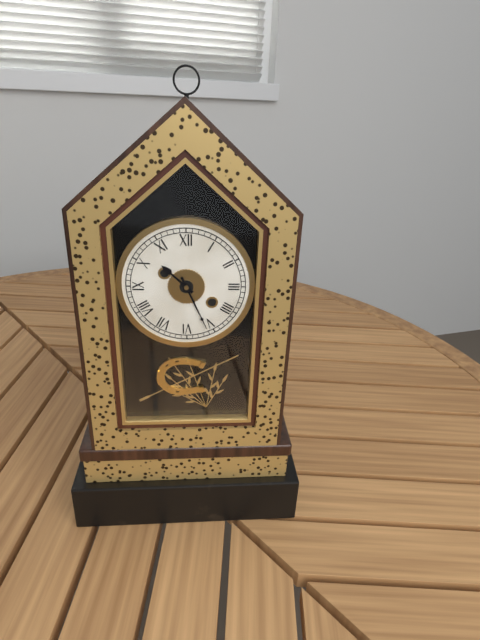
h=10 m=26
